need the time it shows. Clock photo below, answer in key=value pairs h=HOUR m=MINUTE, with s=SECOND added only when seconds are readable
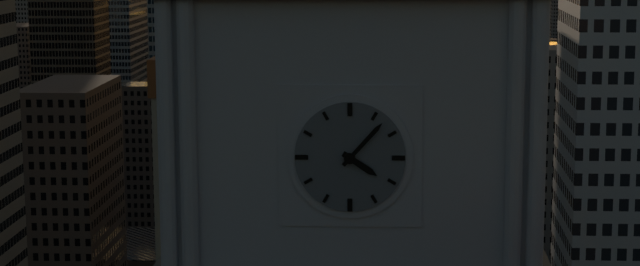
h=4 m=7
